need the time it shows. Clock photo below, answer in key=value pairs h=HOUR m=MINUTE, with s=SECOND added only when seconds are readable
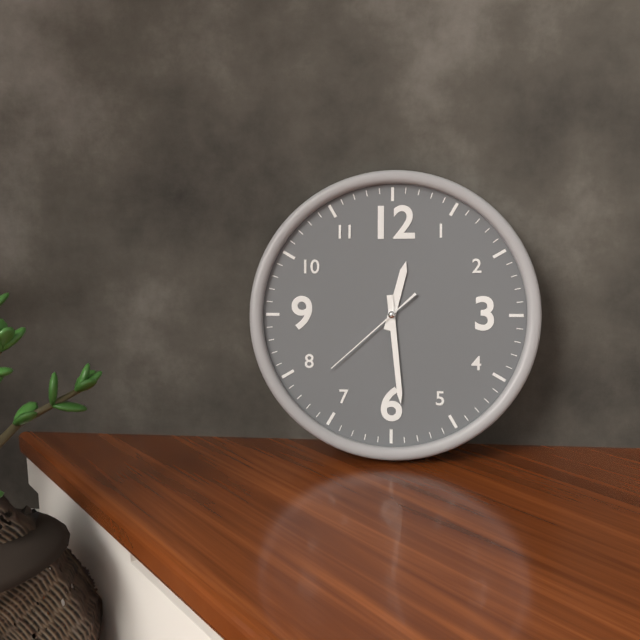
h=12 m=29 s=38
